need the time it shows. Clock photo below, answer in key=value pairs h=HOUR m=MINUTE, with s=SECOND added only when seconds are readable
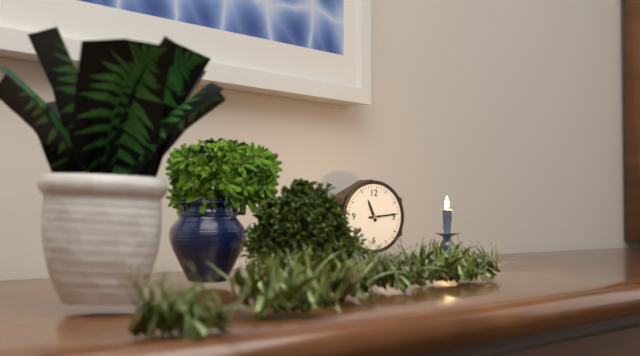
h=11 m=14
